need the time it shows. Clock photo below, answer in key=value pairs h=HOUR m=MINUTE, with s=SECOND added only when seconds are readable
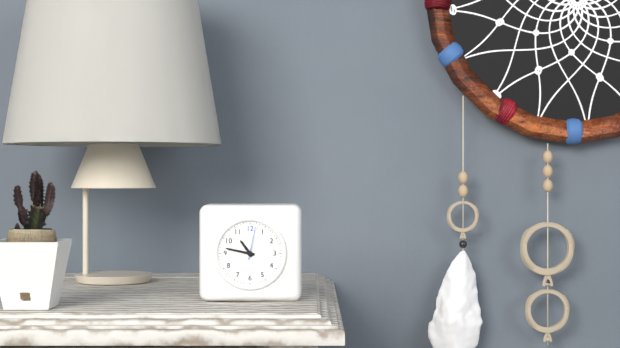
h=10 m=47
